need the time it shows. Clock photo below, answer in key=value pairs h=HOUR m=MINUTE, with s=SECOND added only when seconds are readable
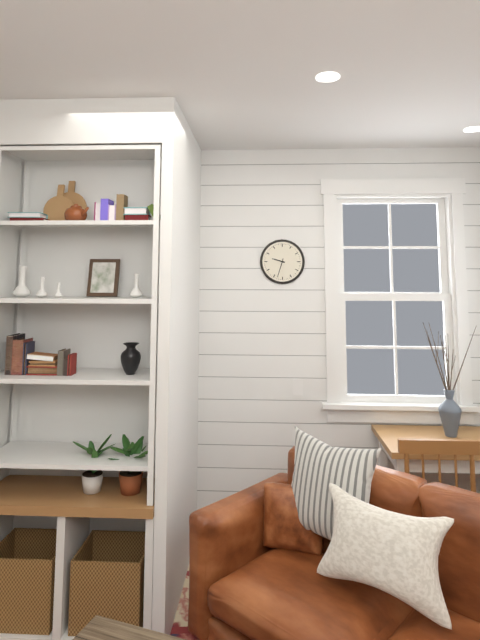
h=9 m=33
